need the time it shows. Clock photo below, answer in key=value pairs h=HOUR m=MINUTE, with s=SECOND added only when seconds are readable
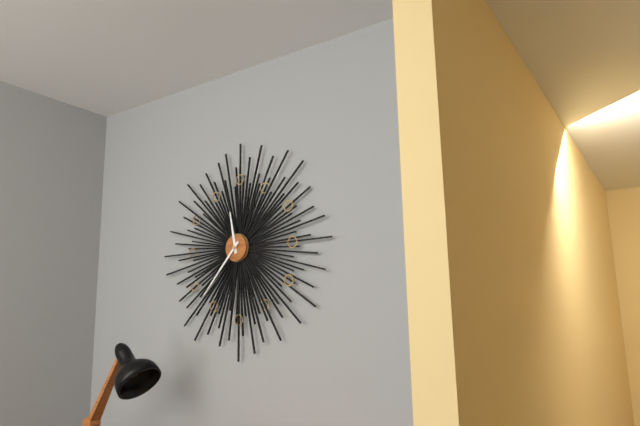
h=11 m=37
